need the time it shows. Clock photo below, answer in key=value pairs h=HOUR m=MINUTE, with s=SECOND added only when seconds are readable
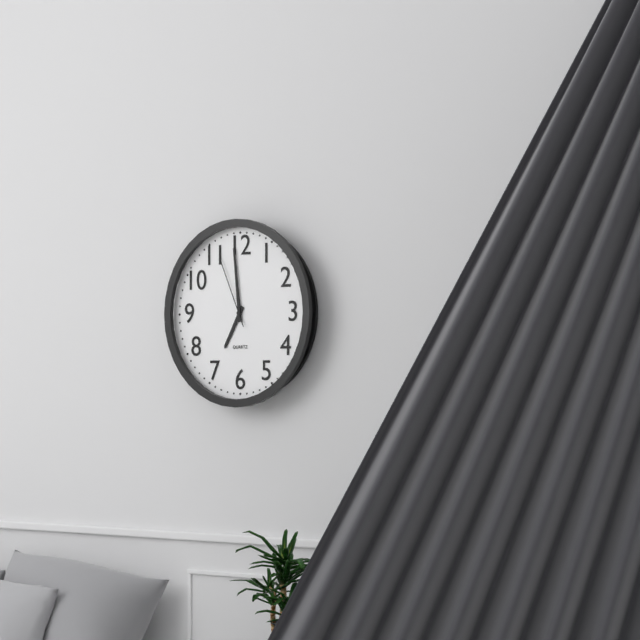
h=6 m=59 s=56
